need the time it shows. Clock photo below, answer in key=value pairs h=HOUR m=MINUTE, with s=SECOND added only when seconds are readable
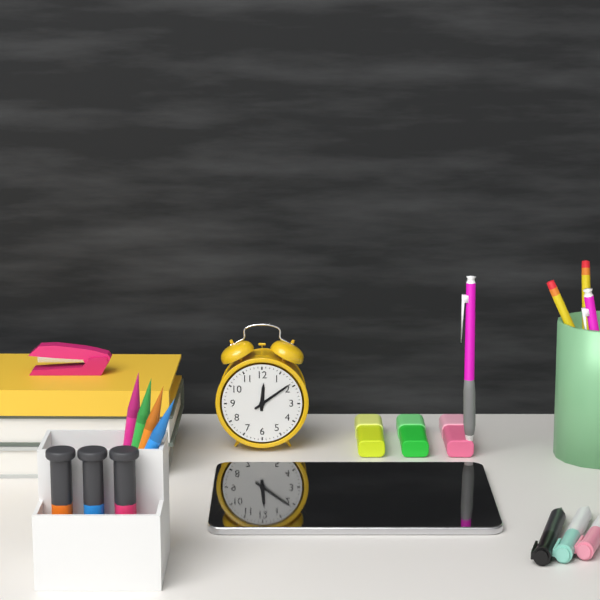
h=12 m=9
